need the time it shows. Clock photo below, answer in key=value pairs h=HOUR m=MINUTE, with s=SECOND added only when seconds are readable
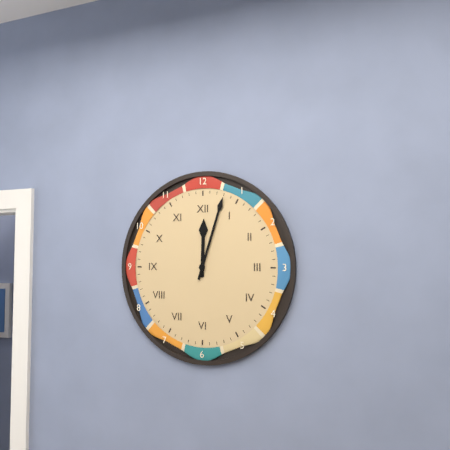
h=12 m=3
